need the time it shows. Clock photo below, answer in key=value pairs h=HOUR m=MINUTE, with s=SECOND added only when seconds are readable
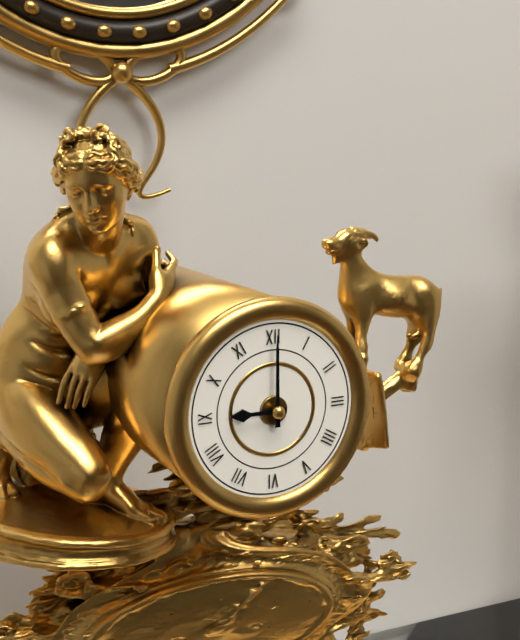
h=9 m=0
